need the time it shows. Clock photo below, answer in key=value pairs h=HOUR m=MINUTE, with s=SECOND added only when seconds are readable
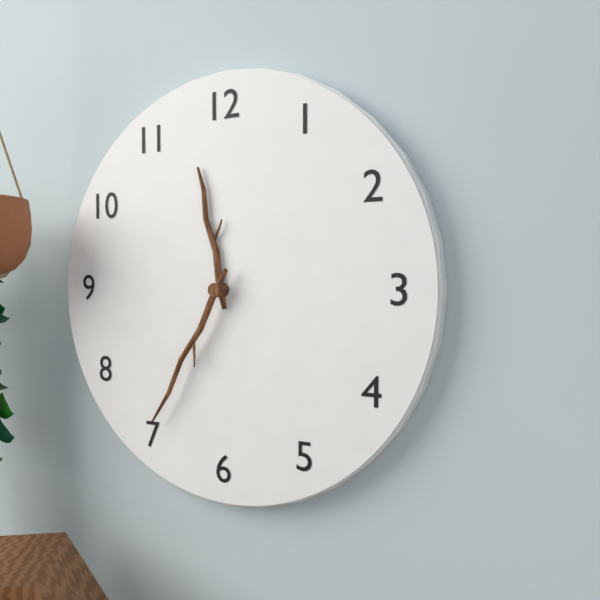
h=11 m=35
